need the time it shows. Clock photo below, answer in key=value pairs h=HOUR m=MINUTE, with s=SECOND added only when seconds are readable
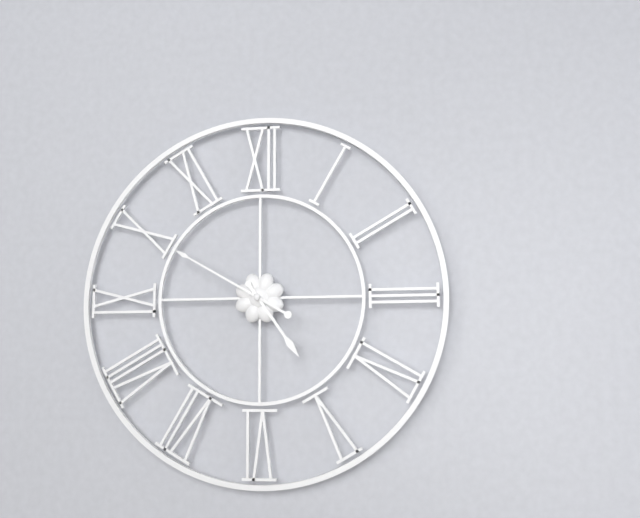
h=4 m=50
